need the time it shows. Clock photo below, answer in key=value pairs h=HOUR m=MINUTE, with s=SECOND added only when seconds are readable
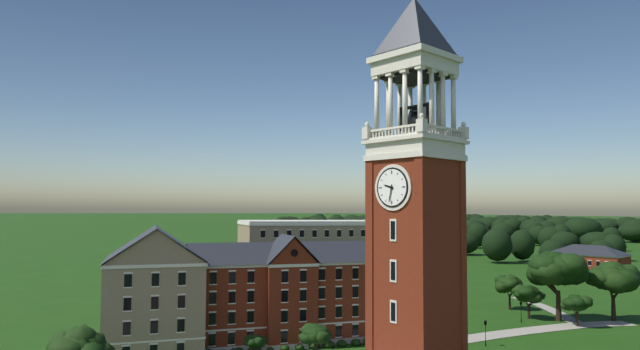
h=9 m=32
